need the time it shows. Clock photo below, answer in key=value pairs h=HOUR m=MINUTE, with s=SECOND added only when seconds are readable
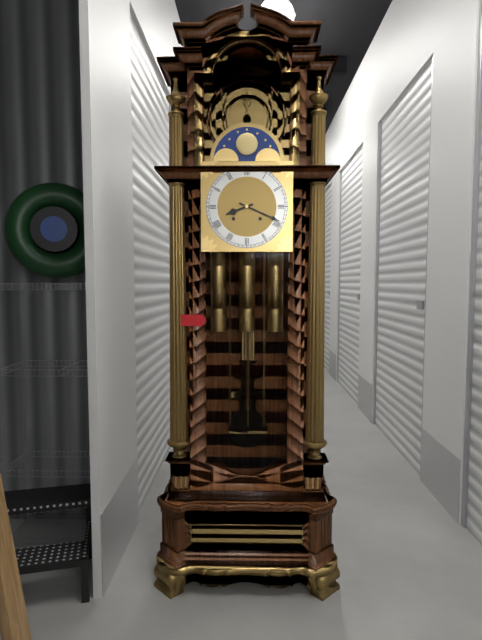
h=8 m=19
